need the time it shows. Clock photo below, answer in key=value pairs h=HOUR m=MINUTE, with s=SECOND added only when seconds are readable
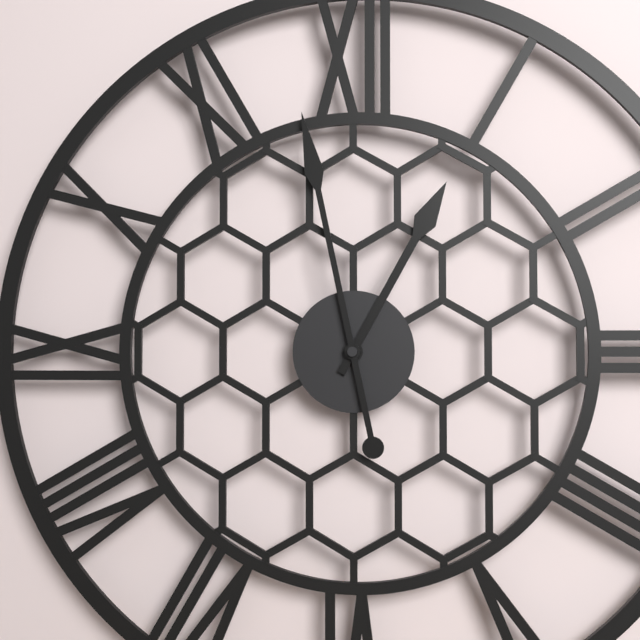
h=12 m=58
